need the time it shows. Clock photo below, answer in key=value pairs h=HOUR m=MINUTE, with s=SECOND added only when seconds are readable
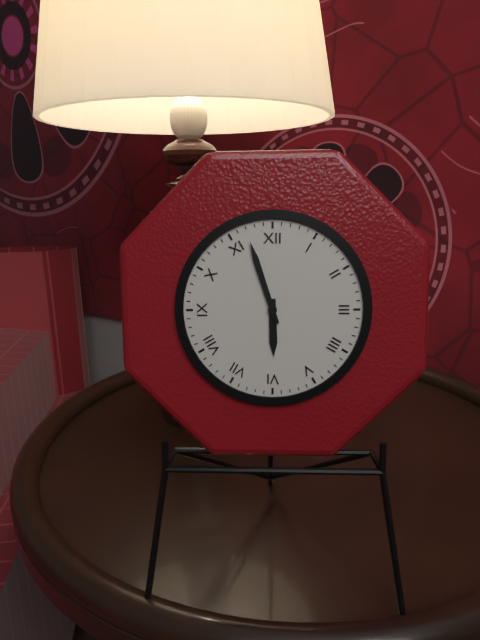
h=5 m=57
